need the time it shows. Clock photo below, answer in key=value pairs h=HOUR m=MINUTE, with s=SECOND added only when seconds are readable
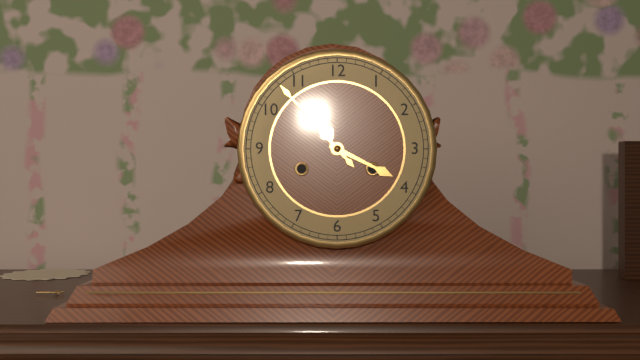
h=3 m=53
